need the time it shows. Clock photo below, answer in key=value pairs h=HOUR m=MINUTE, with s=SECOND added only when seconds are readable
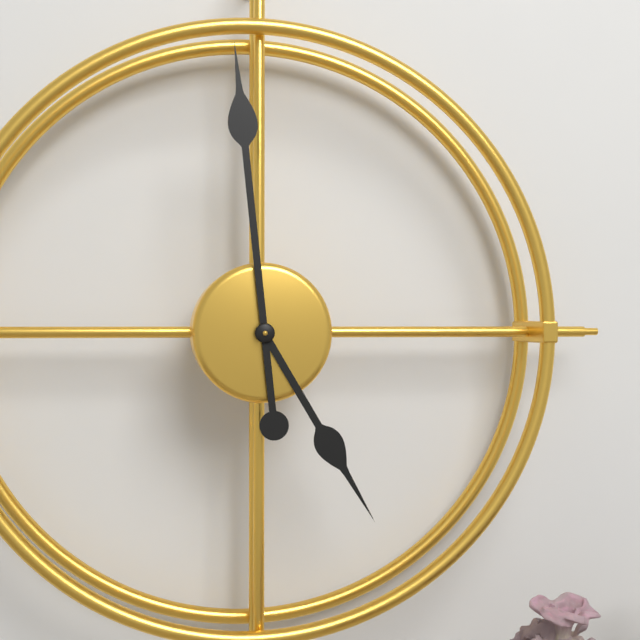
h=4 m=59
